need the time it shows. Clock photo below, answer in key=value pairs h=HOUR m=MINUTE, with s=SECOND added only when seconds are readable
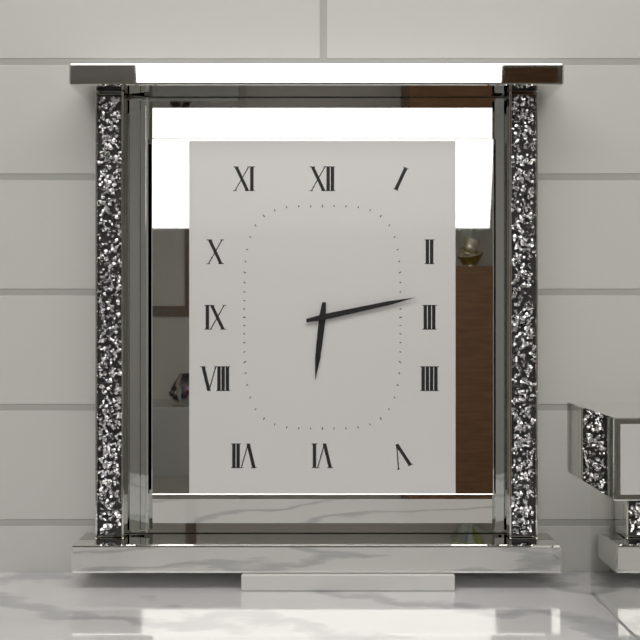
h=6 m=13
